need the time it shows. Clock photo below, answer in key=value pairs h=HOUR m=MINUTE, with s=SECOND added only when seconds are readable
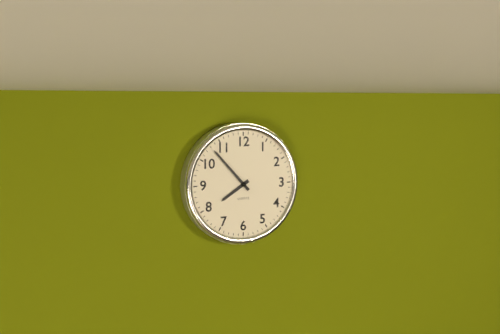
h=7 m=53
